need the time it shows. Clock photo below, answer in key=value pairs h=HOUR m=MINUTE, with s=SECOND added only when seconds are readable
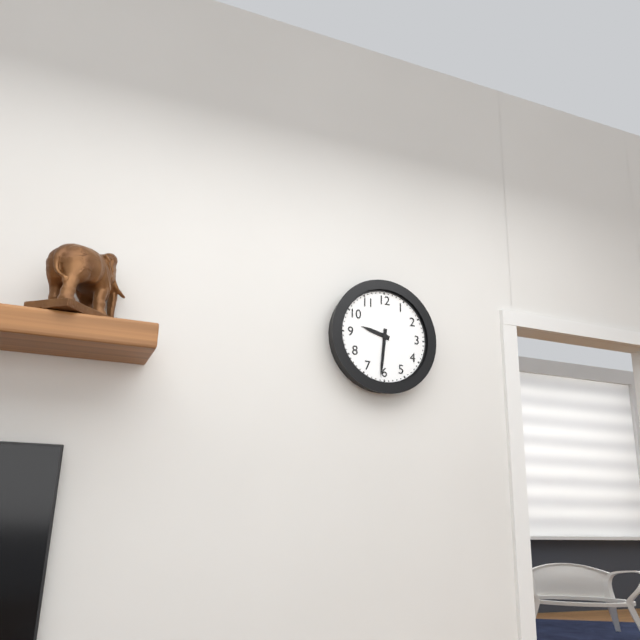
h=9 m=31
